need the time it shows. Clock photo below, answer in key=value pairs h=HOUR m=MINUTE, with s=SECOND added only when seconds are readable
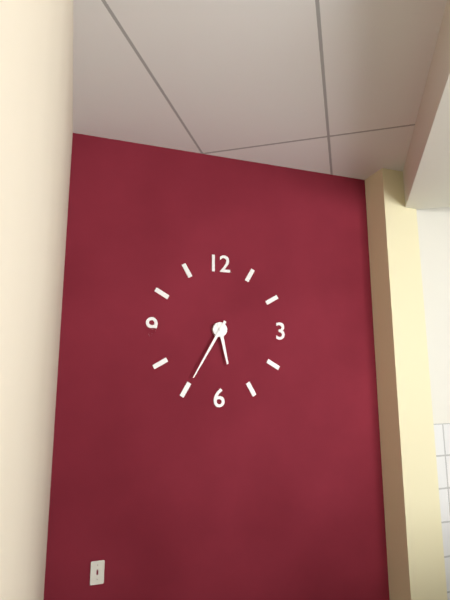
h=5 m=35
